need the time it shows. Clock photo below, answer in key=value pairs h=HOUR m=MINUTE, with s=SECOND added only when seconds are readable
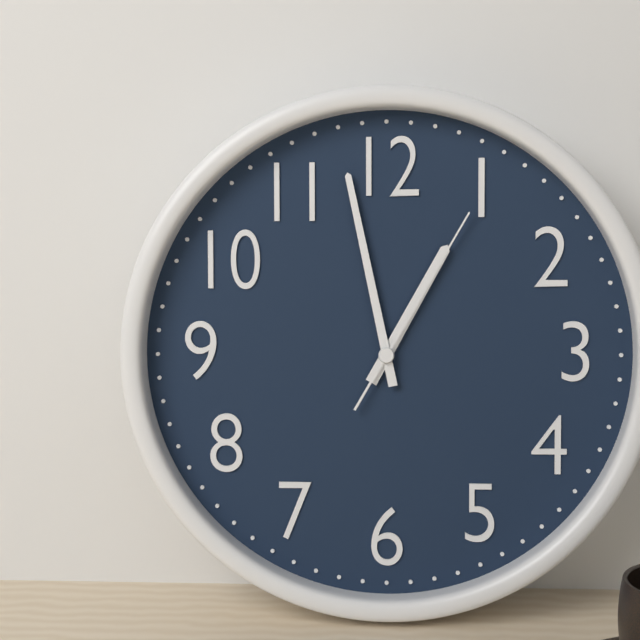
h=12 m=58 s=5
